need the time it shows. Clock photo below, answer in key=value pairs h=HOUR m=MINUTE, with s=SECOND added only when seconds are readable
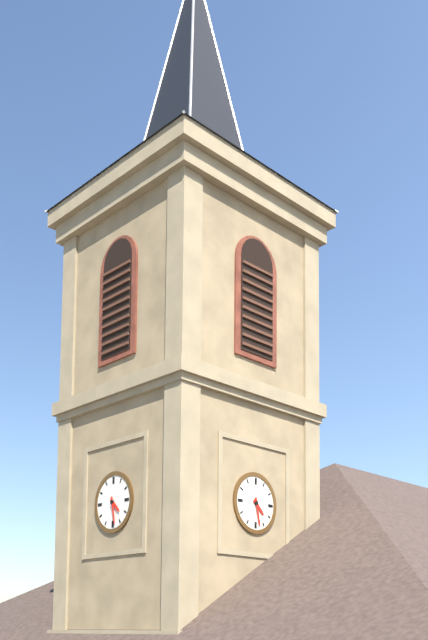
h=4 m=28
